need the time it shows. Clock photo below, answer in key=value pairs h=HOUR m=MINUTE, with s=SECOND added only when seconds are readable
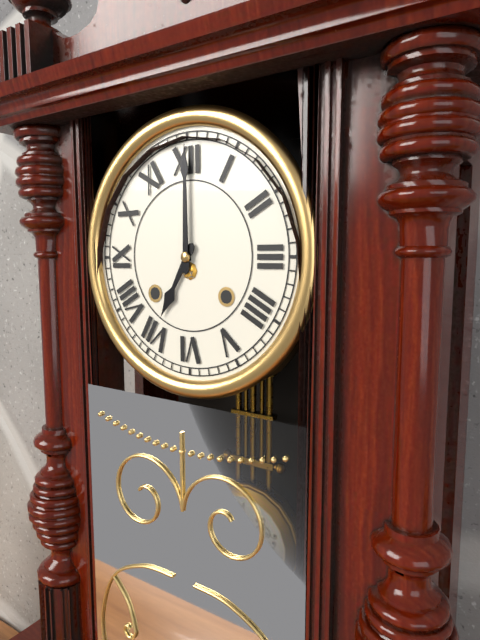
h=7 m=0
